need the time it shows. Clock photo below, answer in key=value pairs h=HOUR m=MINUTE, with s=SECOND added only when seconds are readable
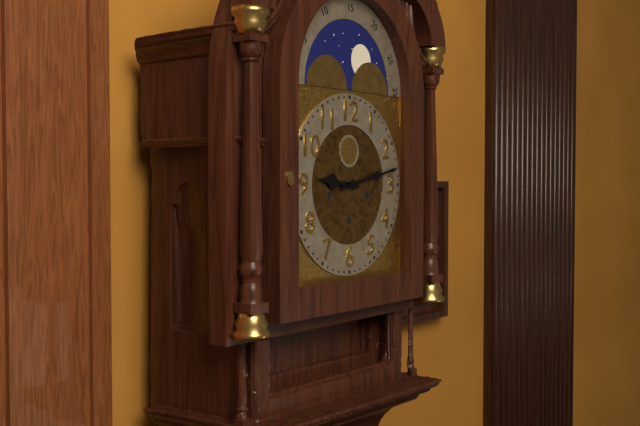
h=9 m=13
